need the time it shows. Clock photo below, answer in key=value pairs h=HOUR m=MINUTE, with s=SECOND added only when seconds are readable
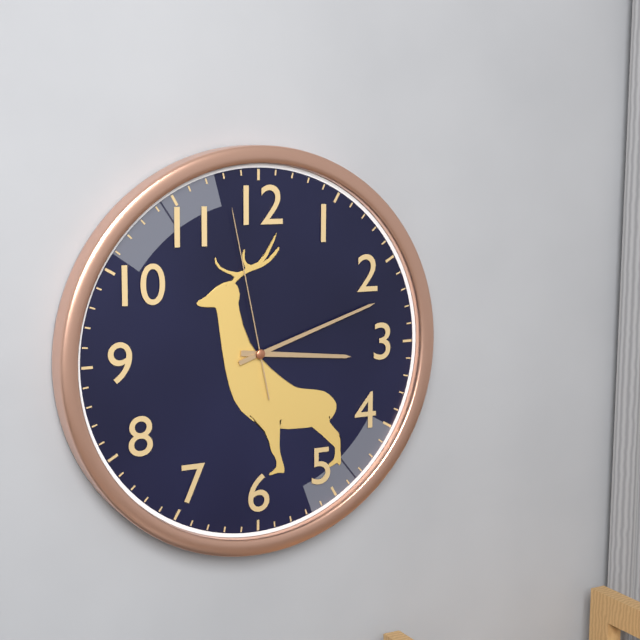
h=3 m=12 s=58
